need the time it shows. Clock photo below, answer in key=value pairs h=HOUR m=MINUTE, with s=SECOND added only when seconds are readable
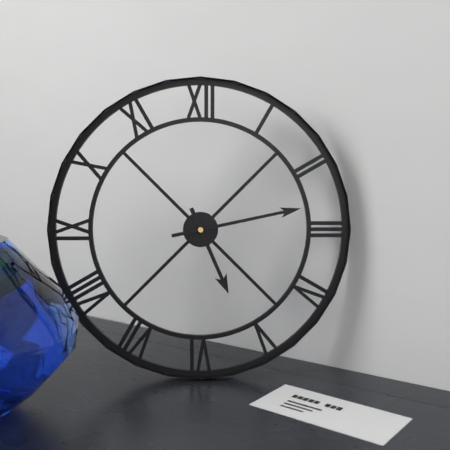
h=5 m=13
